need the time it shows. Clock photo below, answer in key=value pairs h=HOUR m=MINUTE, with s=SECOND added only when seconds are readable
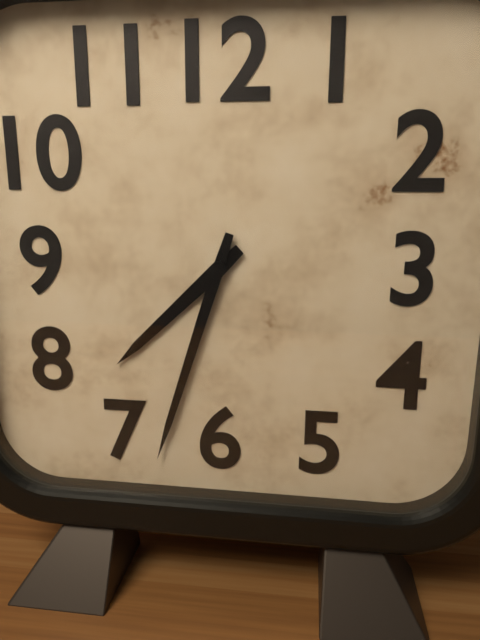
h=7 m=33
